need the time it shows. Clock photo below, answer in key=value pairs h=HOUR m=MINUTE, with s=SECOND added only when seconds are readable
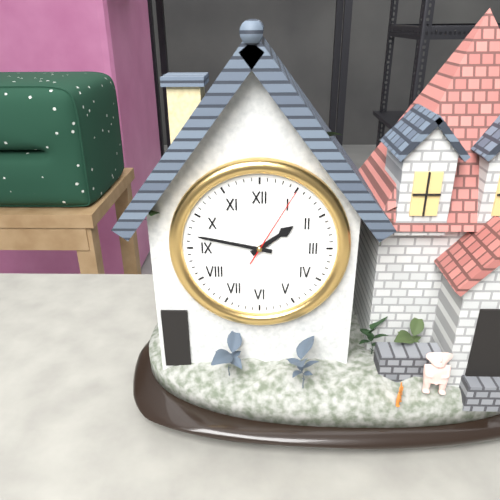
h=1 m=47 s=5
